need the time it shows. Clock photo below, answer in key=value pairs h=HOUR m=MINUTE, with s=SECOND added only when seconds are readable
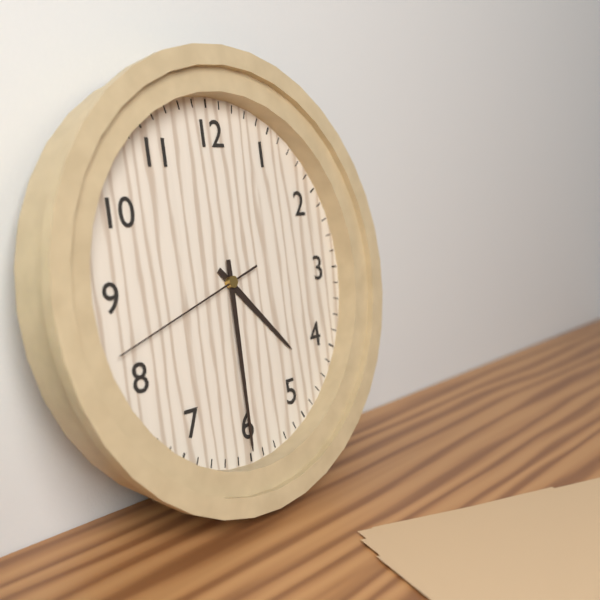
h=4 m=30 s=42
